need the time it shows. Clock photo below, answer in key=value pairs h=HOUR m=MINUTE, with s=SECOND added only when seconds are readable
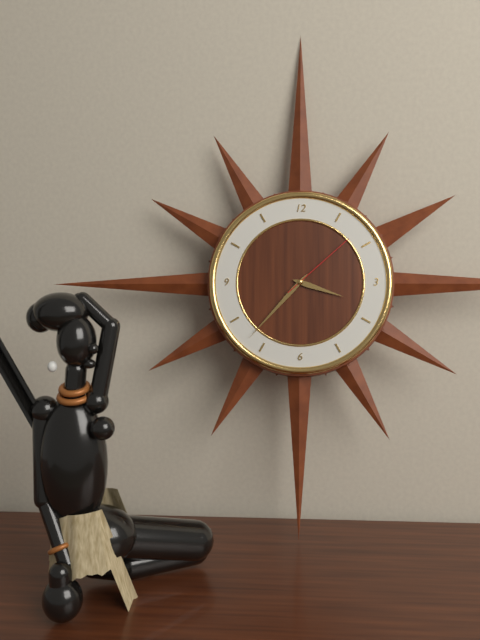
h=3 m=37 s=8
